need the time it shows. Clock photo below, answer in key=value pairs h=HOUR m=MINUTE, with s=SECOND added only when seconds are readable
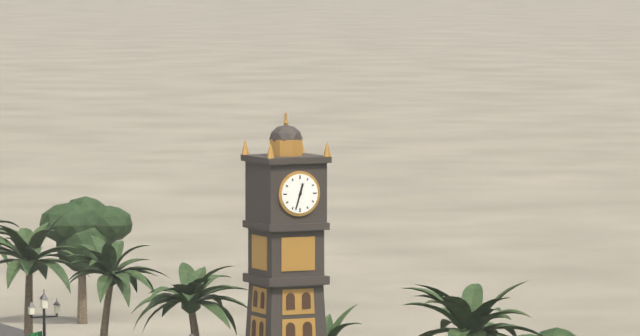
h=12 m=33
